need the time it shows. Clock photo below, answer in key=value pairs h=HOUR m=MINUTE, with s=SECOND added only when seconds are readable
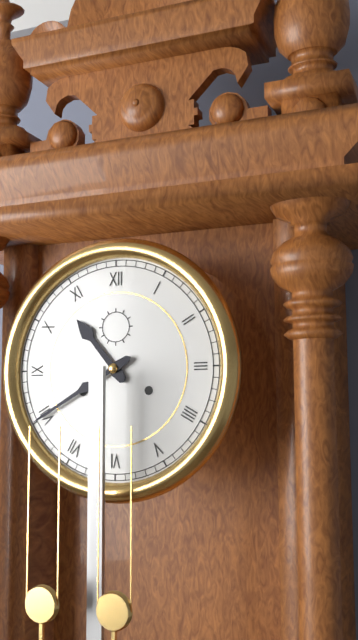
h=10 m=40
